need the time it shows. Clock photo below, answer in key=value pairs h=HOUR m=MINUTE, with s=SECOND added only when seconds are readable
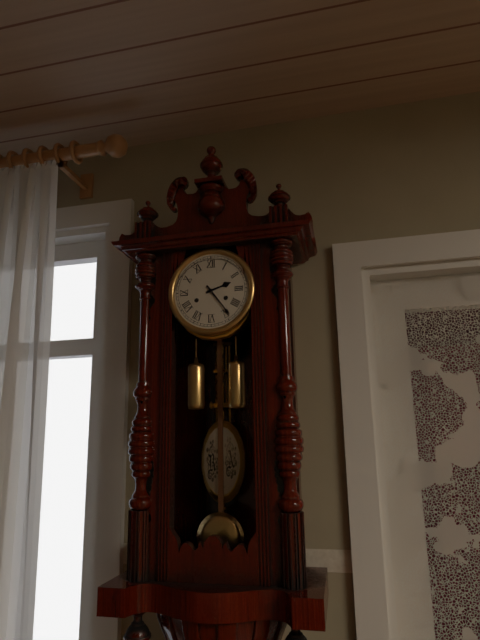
h=2 m=24
